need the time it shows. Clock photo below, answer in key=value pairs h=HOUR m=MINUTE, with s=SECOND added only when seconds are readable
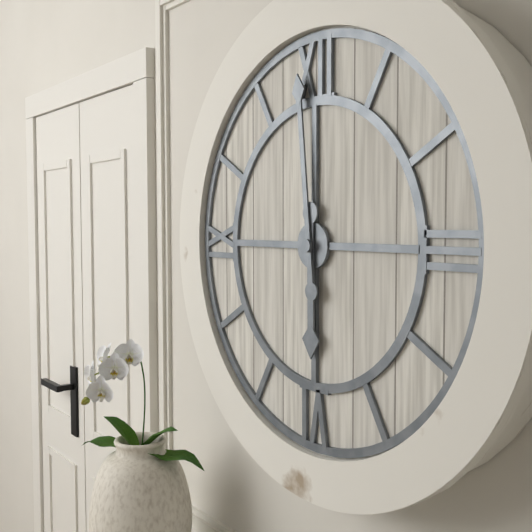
h=5 m=59
